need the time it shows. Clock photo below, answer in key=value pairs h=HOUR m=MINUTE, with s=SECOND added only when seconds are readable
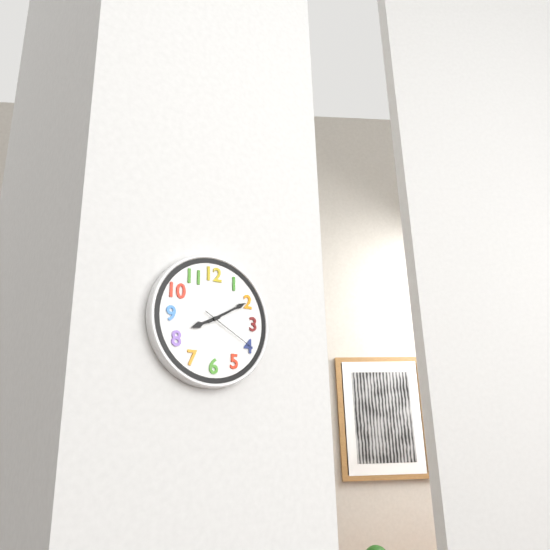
h=8 m=10 s=20
